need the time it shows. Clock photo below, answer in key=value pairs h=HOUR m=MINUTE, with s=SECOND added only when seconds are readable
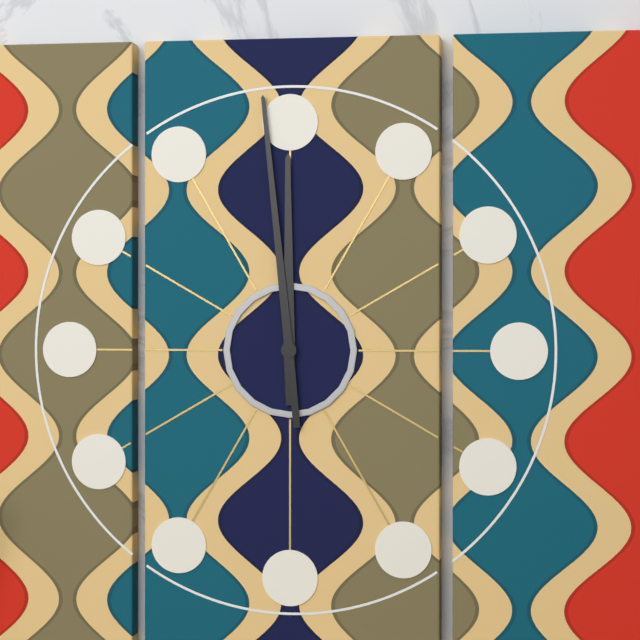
h=11 m=59
